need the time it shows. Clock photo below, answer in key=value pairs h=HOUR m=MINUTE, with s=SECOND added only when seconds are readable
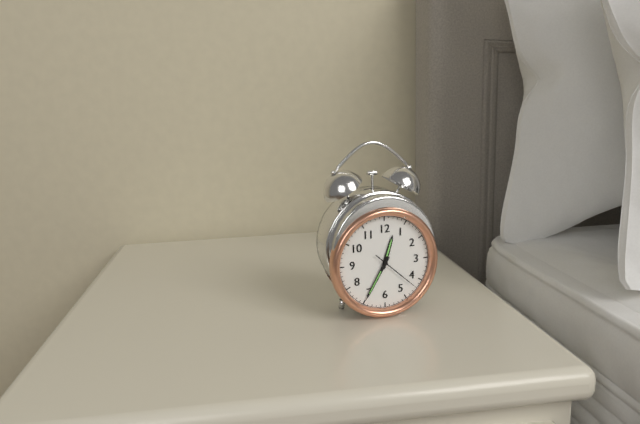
h=12 m=35
